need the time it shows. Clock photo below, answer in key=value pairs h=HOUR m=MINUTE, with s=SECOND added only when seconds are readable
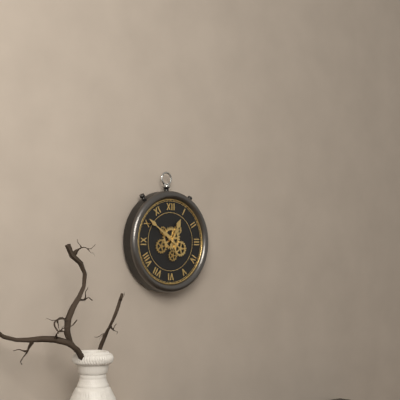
h=12 m=51
